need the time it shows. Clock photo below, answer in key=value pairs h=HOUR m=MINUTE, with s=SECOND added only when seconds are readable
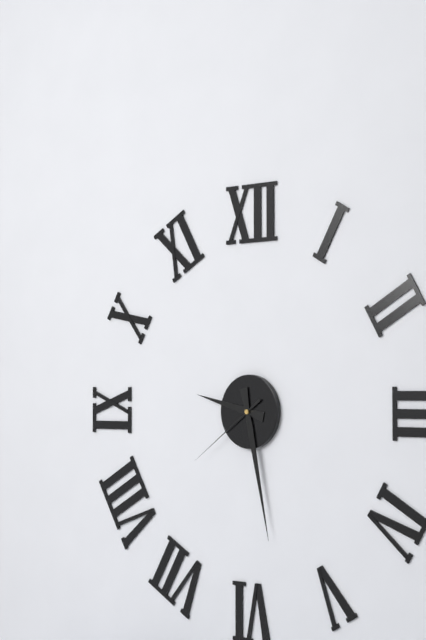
h=9 m=28 s=39
